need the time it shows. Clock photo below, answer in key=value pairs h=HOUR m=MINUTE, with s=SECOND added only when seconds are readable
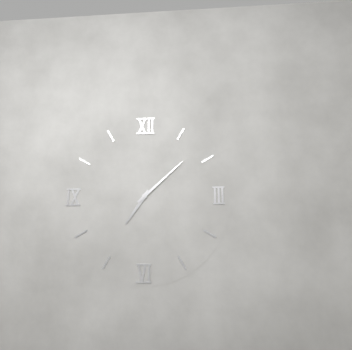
h=7 m=8
